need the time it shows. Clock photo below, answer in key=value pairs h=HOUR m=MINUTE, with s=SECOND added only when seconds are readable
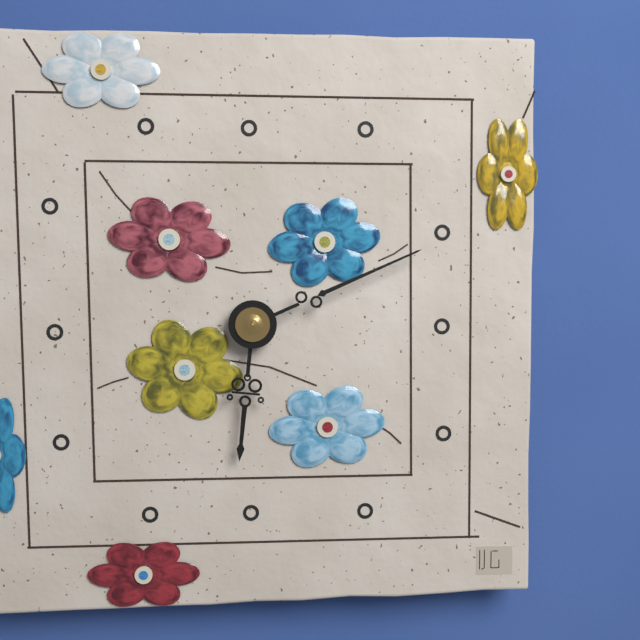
h=6 m=11
